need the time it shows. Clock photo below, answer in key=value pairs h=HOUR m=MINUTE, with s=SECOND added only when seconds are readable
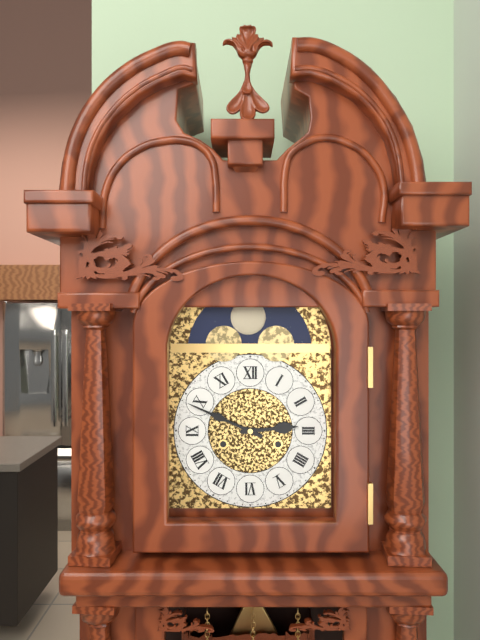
h=2 m=49
